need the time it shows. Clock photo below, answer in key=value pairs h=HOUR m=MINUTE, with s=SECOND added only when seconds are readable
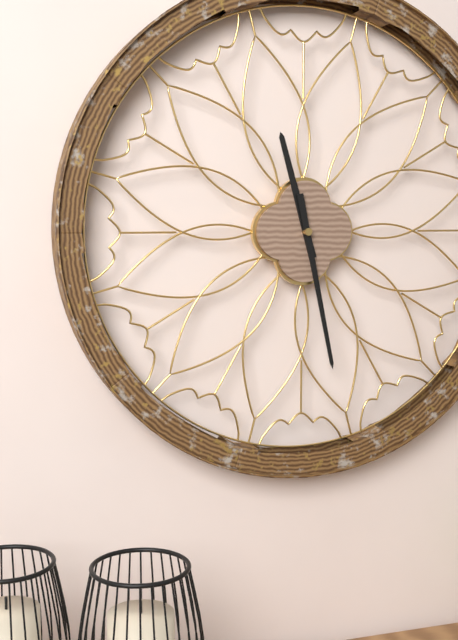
h=11 m=28
